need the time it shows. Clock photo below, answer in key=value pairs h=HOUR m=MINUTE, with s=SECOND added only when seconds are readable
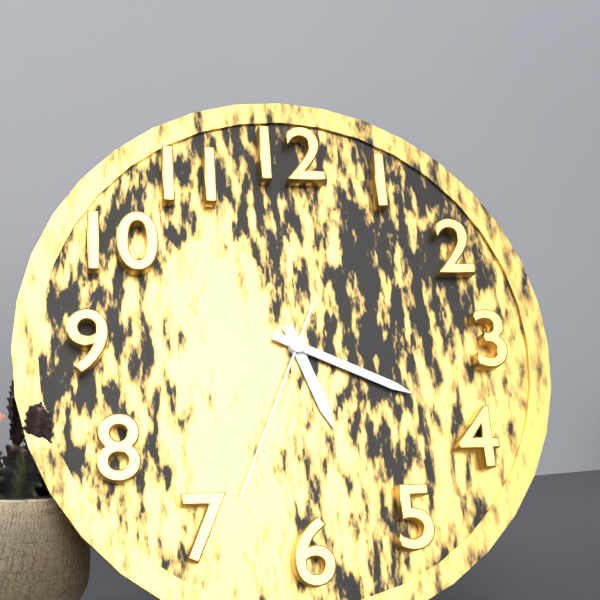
h=5 m=19 s=34
